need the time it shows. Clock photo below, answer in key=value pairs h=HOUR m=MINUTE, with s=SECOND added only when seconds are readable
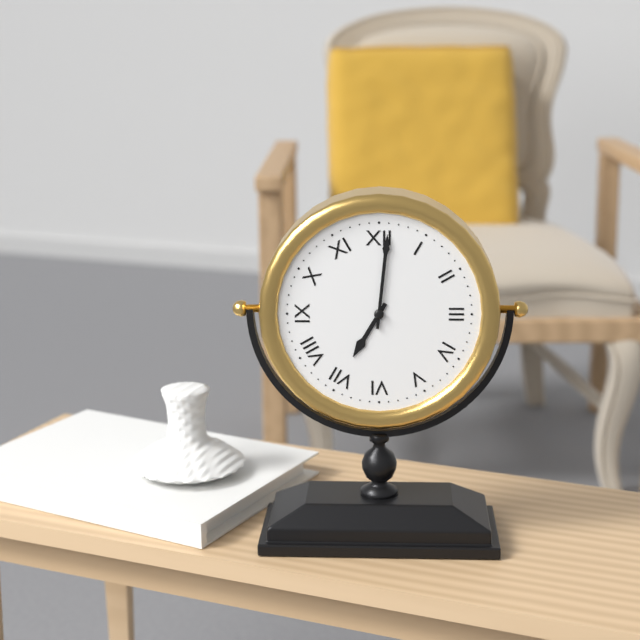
h=7 m=1
